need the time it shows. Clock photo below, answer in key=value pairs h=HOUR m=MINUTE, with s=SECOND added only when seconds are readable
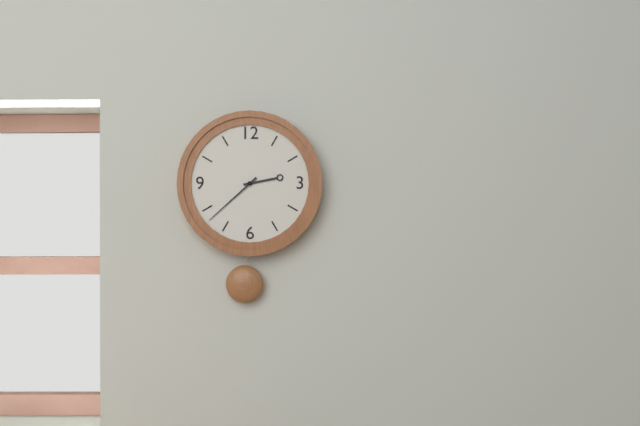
h=2 m=38
